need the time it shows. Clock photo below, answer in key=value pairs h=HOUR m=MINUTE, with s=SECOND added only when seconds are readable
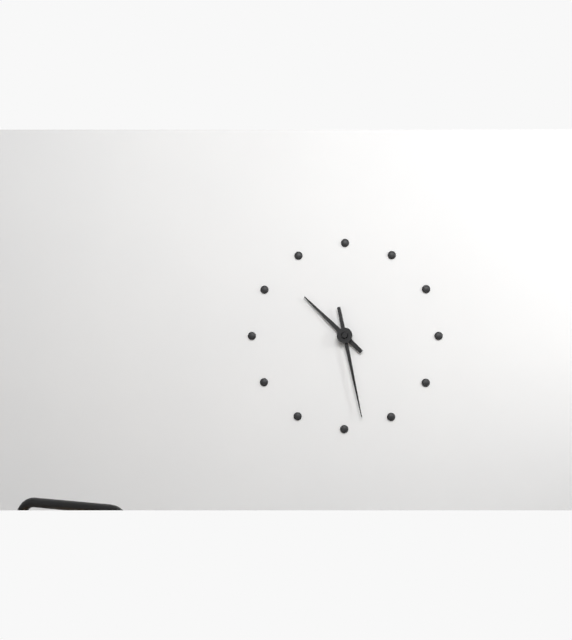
h=10 m=28
